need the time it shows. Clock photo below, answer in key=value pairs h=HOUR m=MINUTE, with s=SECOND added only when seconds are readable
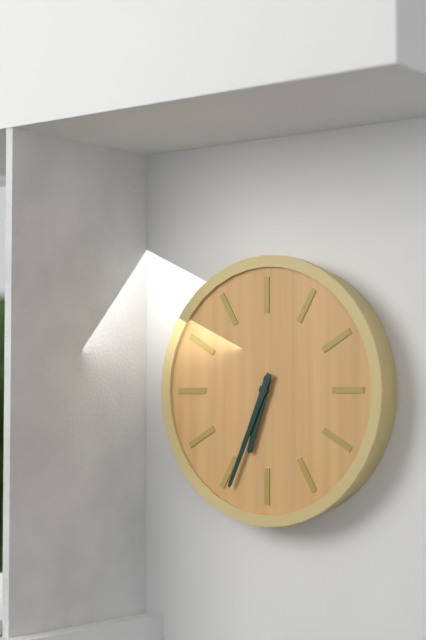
h=6 m=34
